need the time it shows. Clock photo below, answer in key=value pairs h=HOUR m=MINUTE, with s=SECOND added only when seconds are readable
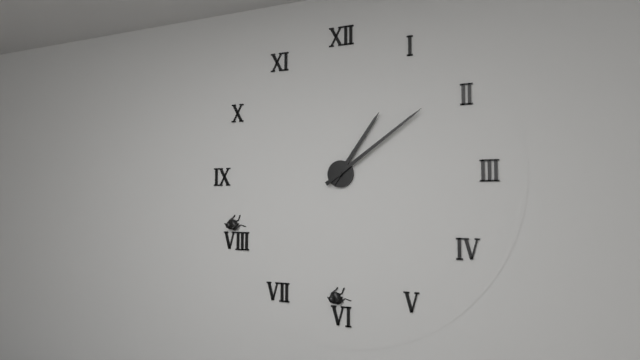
h=1 m=9
